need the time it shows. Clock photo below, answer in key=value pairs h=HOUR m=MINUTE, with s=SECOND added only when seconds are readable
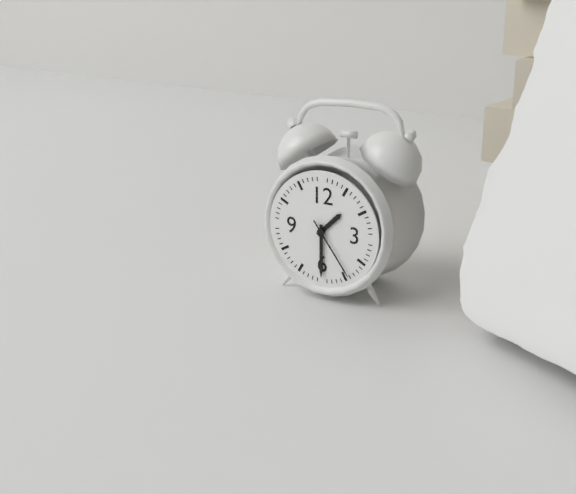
h=1 m=30 s=24
